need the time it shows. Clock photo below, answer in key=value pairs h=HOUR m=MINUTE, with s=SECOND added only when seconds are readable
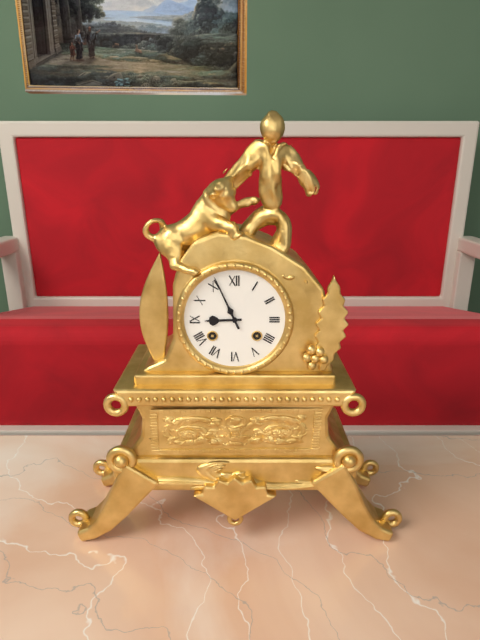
h=8 m=56
